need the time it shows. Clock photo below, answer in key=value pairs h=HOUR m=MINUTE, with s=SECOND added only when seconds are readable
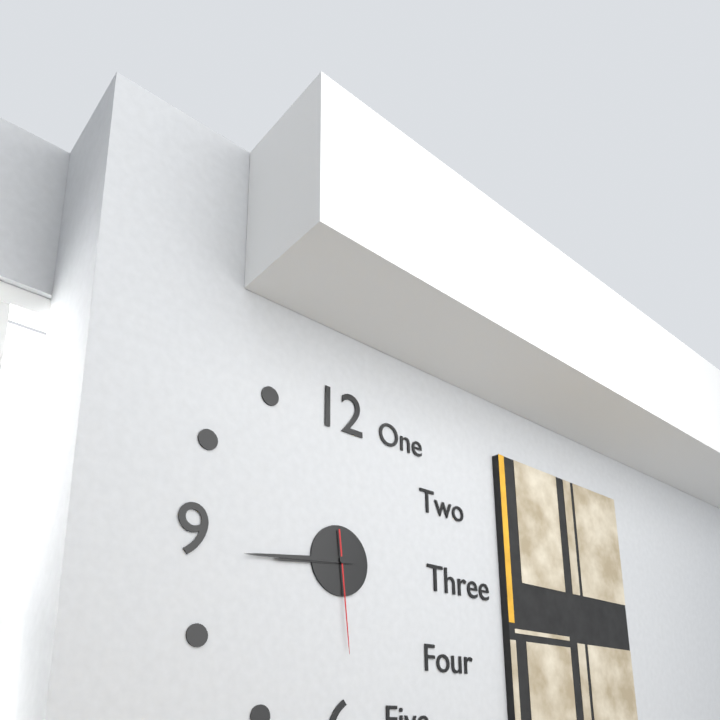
h=8 m=44 s=29
